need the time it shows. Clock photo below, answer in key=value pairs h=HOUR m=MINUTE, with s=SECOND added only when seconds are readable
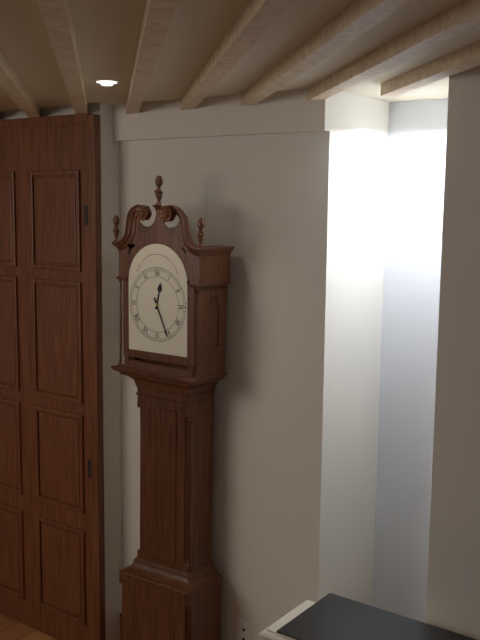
h=12 m=26
